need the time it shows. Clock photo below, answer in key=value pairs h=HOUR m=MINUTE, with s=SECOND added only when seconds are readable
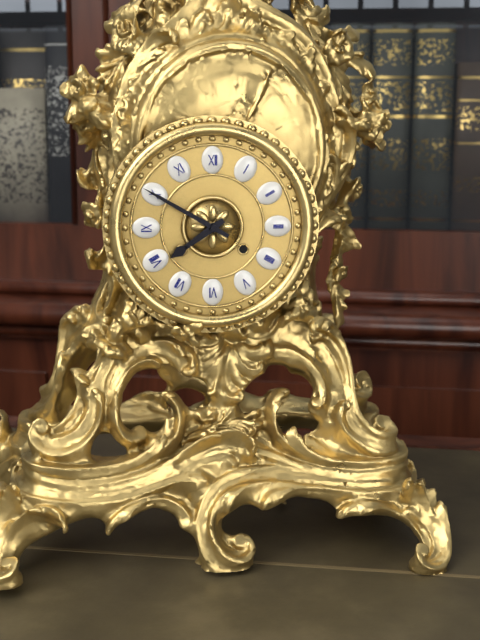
h=7 m=50
